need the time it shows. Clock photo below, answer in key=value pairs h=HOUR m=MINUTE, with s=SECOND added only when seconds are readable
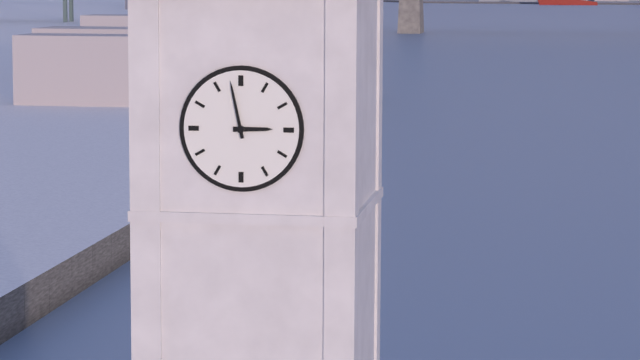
h=2 m=58
